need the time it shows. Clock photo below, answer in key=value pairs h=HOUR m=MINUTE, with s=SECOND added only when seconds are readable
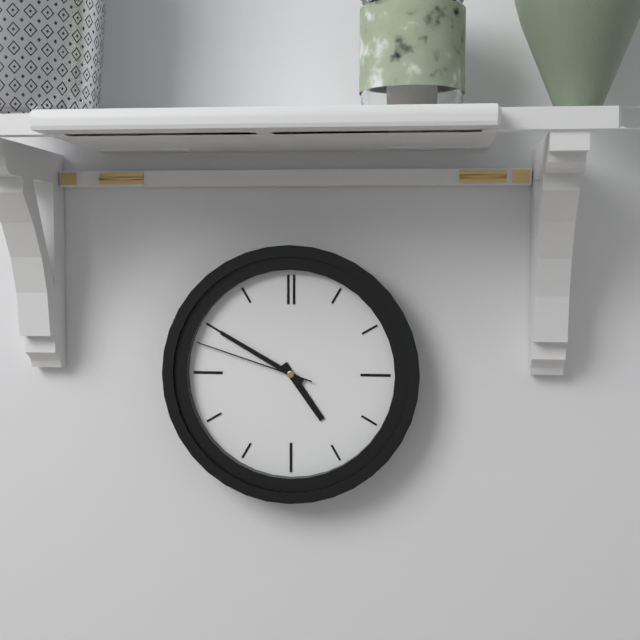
h=4 m=50 s=48
